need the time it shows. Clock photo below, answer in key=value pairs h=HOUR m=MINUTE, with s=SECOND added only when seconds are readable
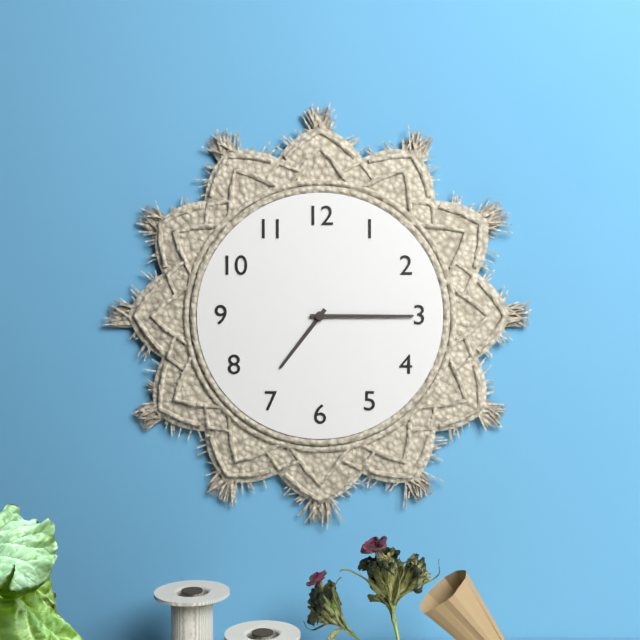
h=7 m=15
